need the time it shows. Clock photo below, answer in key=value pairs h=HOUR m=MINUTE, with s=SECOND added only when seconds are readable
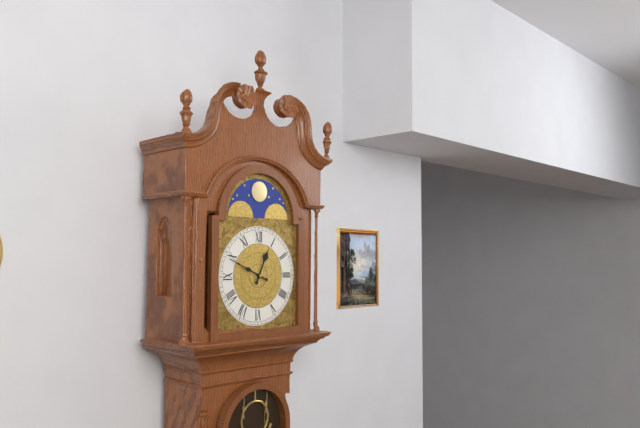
h=12 m=49
